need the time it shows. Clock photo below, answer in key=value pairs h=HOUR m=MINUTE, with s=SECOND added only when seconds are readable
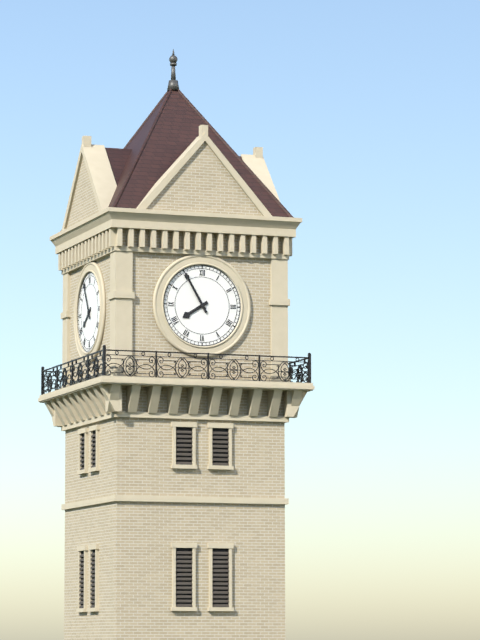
h=7 m=55
